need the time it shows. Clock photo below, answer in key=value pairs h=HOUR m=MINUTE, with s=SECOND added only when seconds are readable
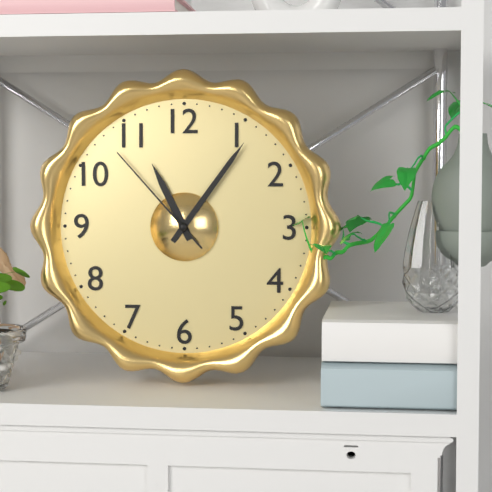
h=11 m=6 s=53
